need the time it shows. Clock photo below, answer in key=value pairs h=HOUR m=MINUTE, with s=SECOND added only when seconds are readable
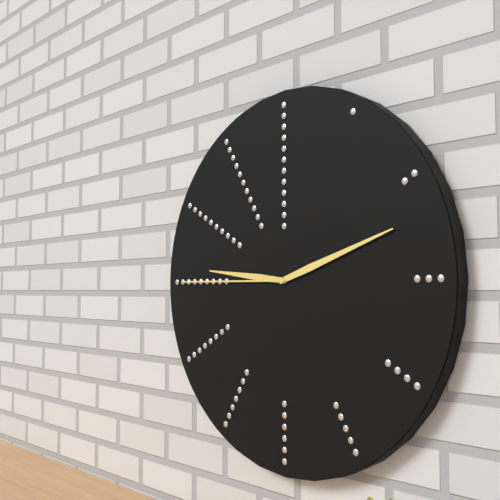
h=9 m=12 s=45
